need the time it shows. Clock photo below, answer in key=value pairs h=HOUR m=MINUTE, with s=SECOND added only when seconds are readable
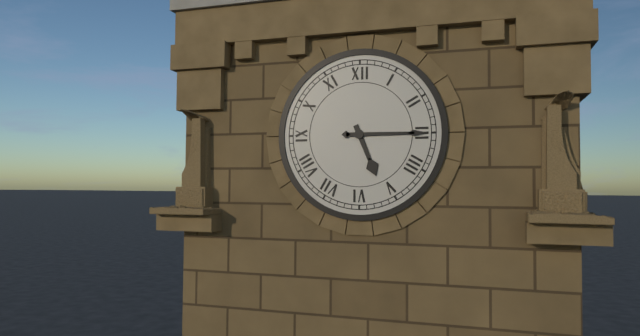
h=5 m=15
